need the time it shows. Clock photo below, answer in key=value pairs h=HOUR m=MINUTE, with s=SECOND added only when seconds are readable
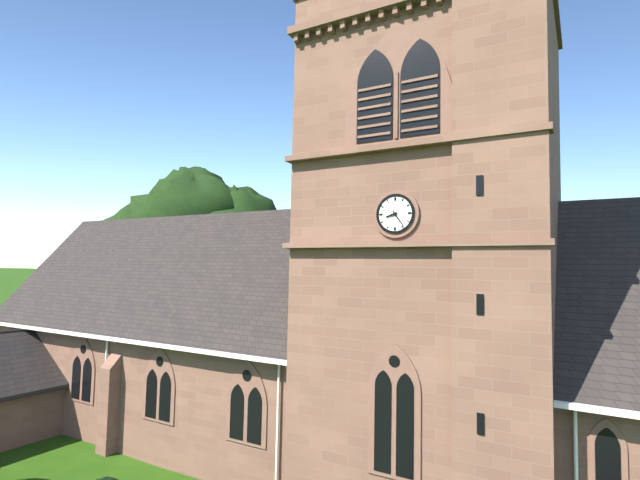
h=8 m=24
